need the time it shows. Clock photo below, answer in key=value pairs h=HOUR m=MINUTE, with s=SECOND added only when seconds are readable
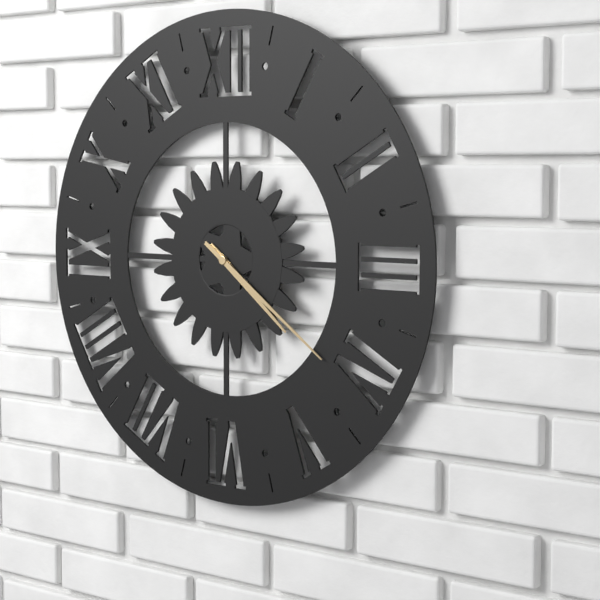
h=4 m=21
